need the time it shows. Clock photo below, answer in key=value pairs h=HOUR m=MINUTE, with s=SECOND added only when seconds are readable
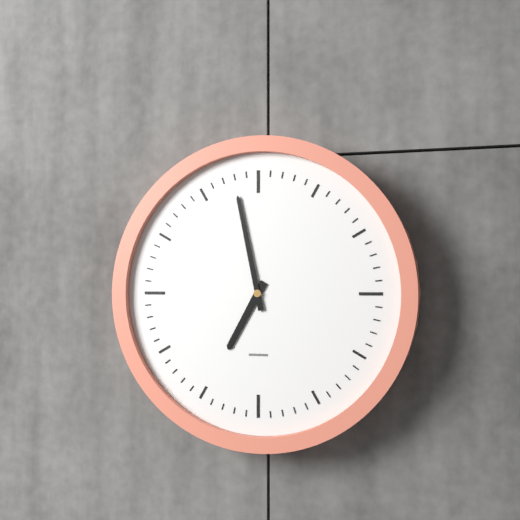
h=6 m=58
